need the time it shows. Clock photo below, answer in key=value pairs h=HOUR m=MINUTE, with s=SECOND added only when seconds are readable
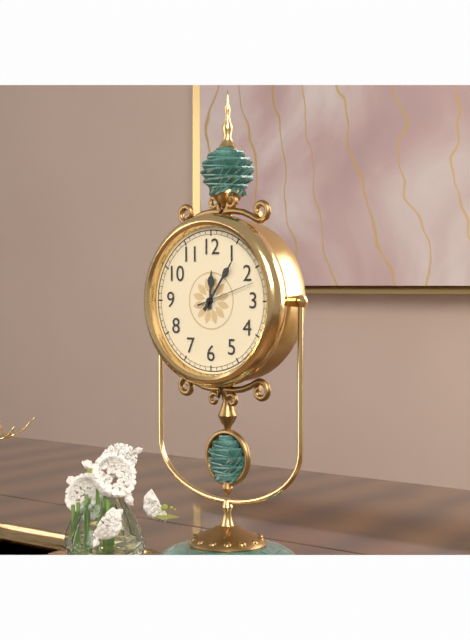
h=12 m=6 s=12
